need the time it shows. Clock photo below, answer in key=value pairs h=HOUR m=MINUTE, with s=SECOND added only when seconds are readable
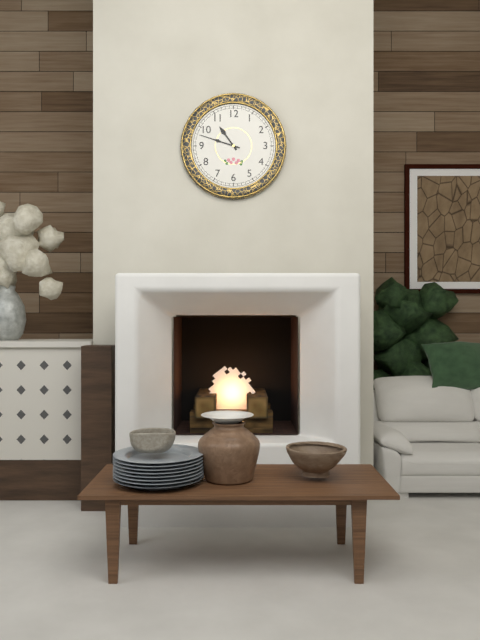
h=10 m=48
